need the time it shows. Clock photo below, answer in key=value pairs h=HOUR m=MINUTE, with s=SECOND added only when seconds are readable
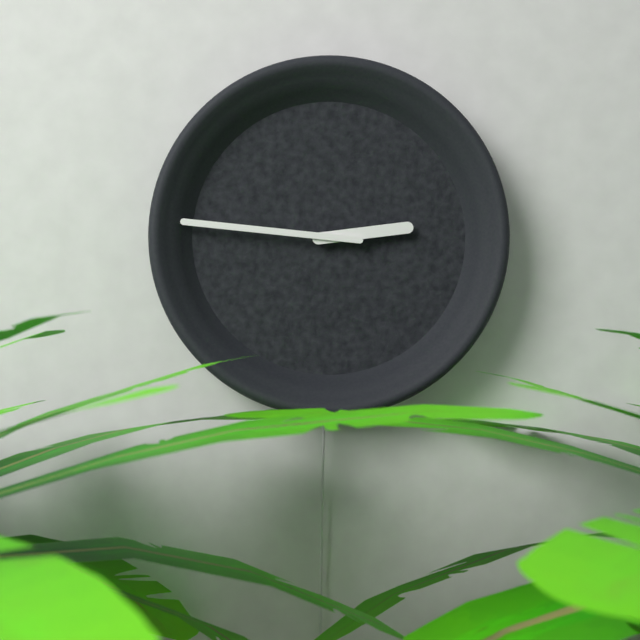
h=2 m=46
